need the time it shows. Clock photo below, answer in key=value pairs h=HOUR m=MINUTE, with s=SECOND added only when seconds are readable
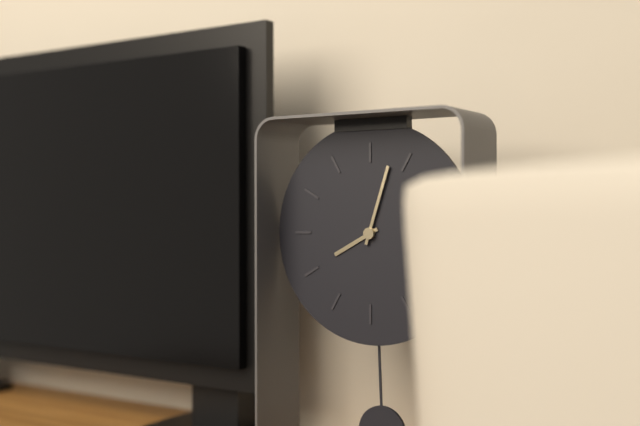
h=8 m=3
